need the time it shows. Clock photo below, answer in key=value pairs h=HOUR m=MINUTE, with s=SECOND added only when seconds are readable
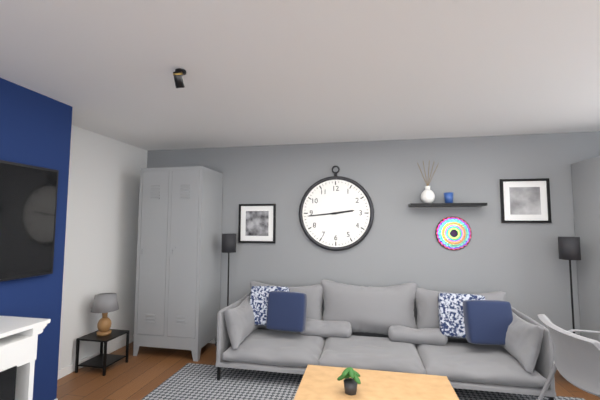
h=2 m=44
